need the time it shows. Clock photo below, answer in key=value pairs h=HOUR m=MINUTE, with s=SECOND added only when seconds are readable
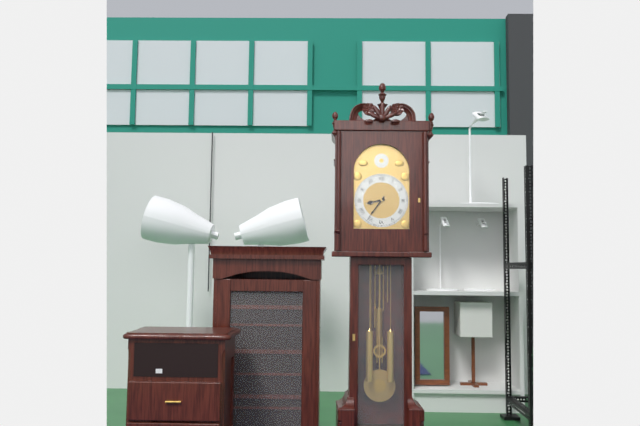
h=8 m=36
